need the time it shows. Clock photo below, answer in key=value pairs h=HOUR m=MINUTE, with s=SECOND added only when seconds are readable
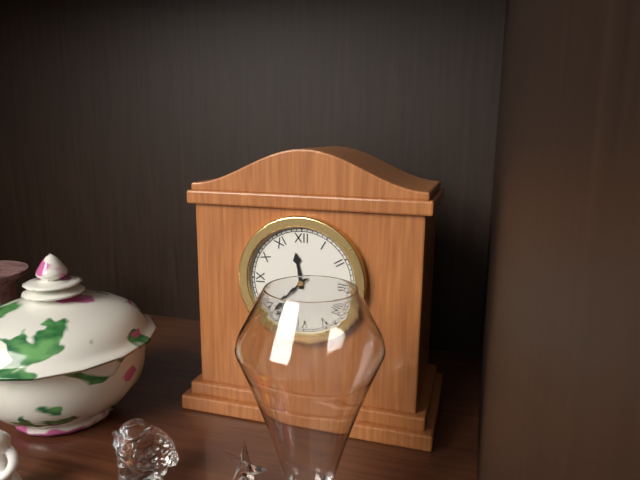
h=11 m=37
